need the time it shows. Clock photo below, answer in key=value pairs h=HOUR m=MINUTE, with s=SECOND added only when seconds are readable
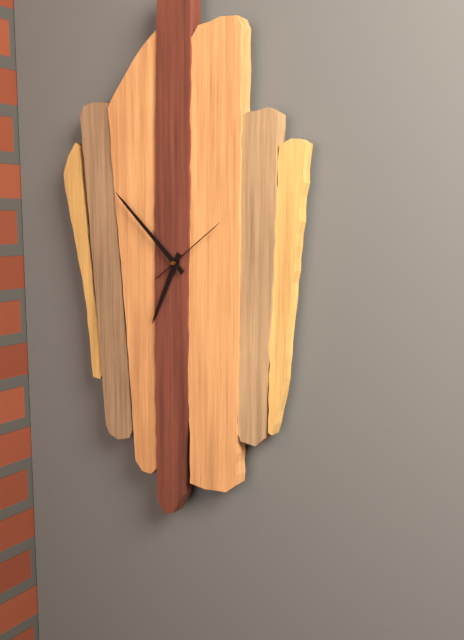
h=6 m=52 s=9
